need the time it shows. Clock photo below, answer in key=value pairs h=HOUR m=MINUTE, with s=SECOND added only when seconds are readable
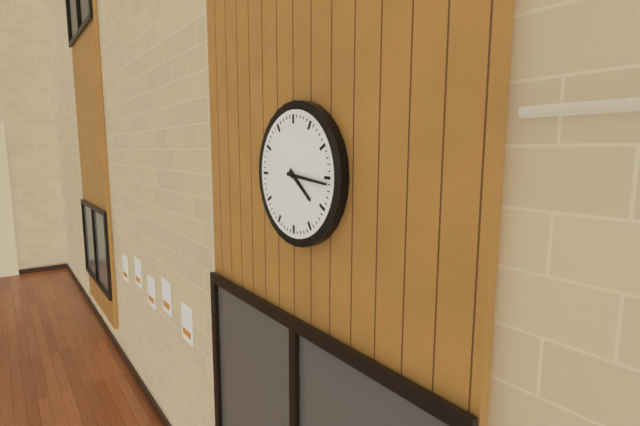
h=4 m=16
